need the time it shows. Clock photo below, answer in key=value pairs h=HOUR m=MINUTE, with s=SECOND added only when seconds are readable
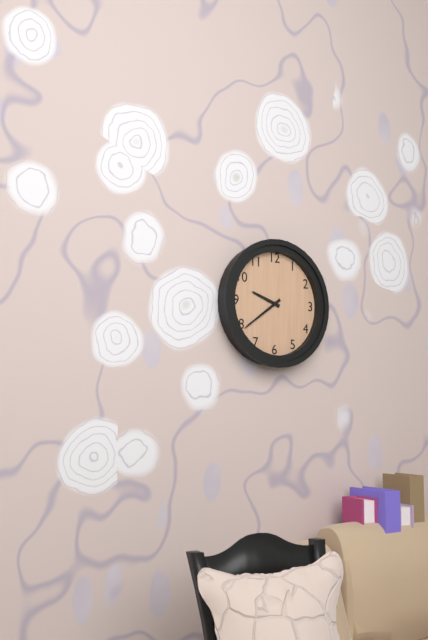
h=9 m=39
